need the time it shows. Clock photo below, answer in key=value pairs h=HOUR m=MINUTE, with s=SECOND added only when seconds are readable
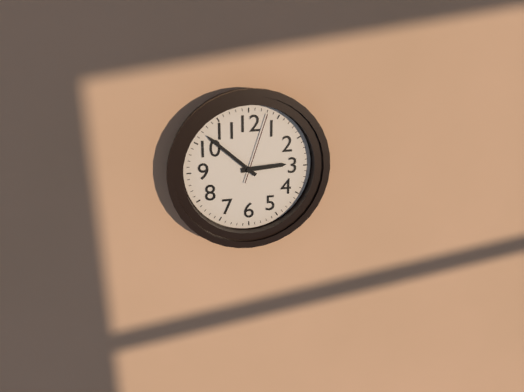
h=2 m=52 s=3
